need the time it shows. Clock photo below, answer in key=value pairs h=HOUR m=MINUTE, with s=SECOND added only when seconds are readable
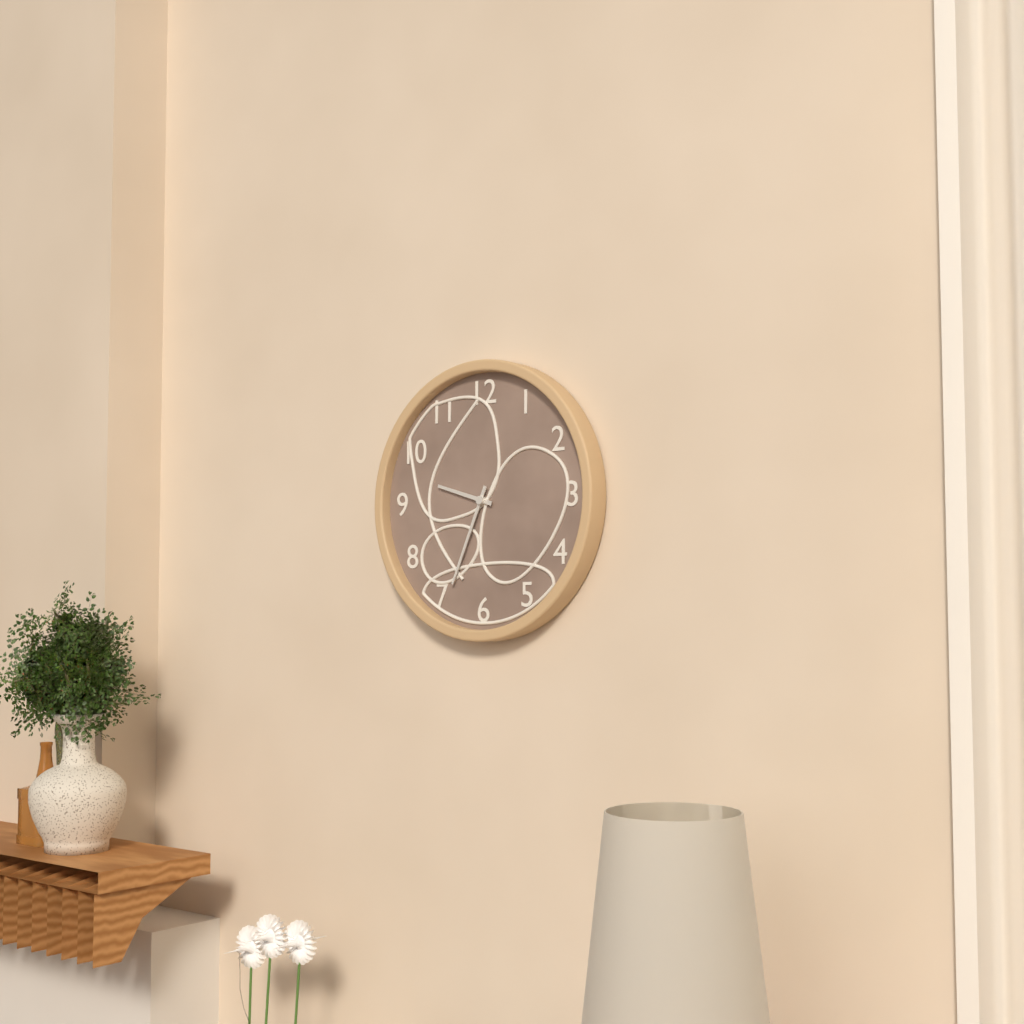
h=9 m=34
